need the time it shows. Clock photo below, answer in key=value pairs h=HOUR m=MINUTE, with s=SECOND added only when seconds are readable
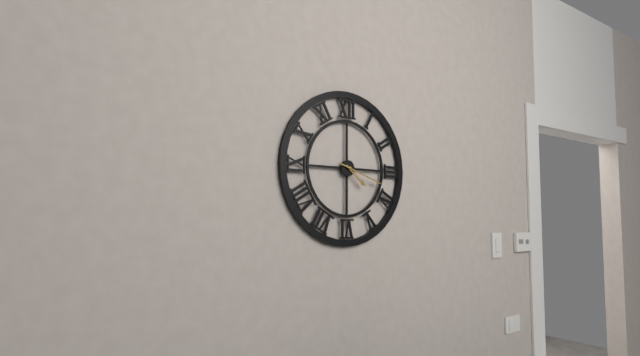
h=4 m=18
